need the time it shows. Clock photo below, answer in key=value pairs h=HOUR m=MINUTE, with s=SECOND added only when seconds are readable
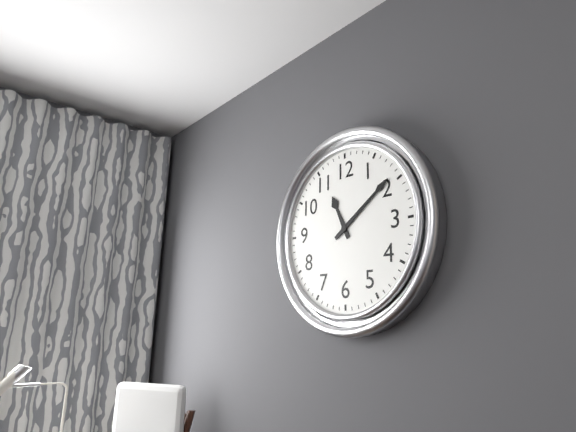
h=11 m=9
